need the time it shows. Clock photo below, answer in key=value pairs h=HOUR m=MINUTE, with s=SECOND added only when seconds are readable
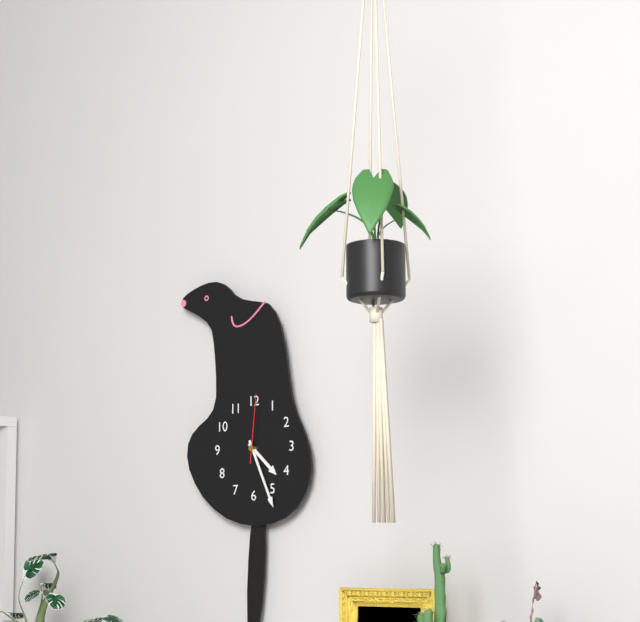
h=4 m=26 s=1
